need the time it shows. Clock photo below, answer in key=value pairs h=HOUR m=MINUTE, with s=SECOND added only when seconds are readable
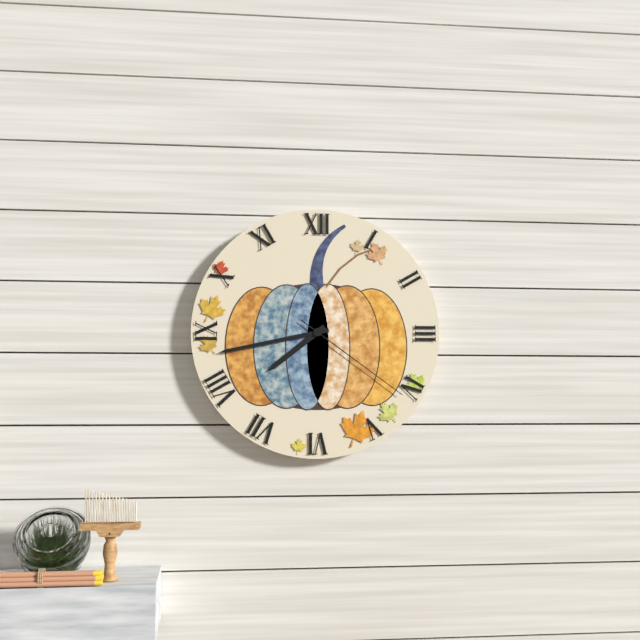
h=7 m=43 s=21
